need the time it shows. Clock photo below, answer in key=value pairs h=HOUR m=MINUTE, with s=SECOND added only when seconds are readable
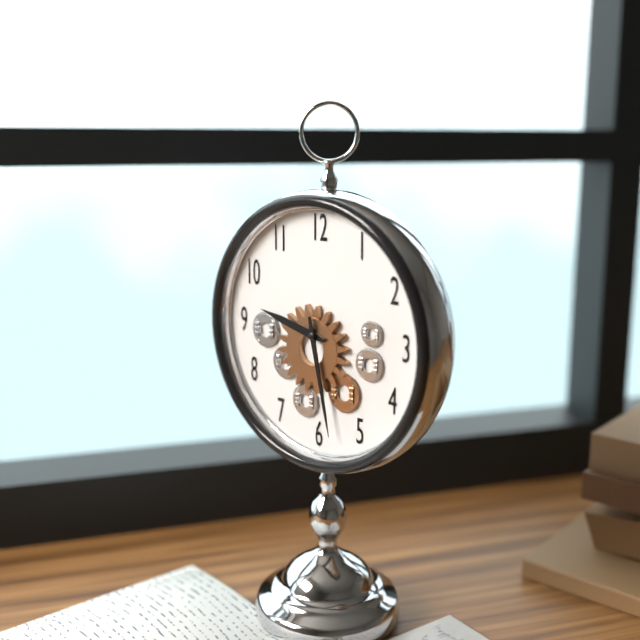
h=9 m=28
